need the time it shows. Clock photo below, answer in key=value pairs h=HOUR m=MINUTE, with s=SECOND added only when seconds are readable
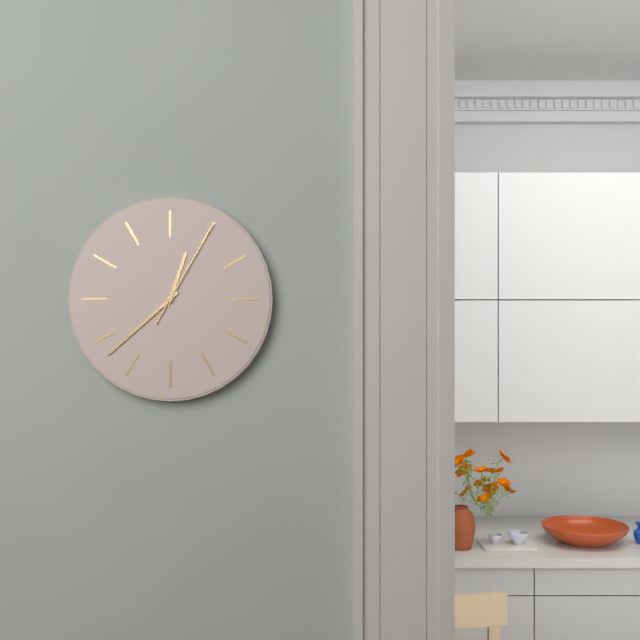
h=12 m=38 s=5
